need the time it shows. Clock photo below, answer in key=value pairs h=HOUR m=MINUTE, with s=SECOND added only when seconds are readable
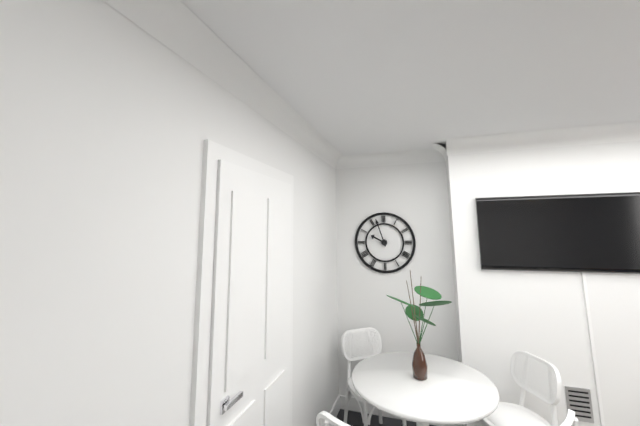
h=9 m=57
